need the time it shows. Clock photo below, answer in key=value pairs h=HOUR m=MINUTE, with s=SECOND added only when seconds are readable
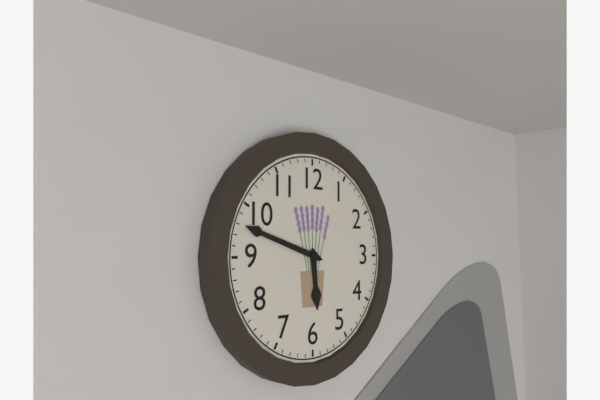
h=5 m=48
